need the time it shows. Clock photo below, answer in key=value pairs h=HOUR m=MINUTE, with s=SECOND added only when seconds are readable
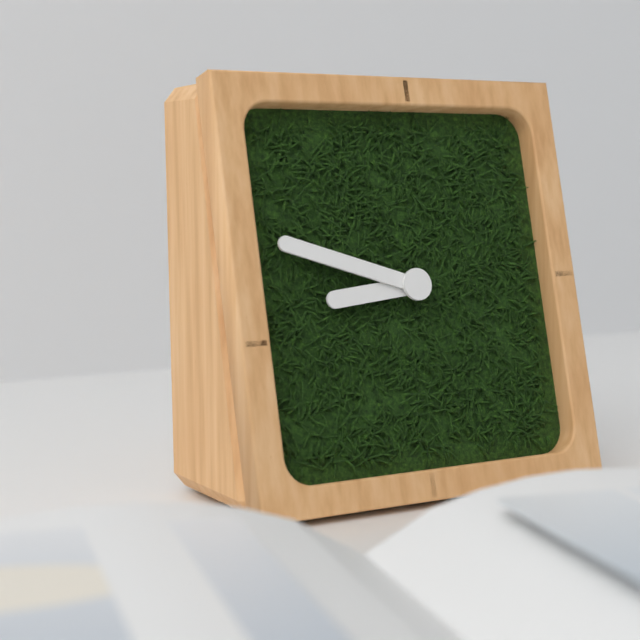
h=8 m=48
